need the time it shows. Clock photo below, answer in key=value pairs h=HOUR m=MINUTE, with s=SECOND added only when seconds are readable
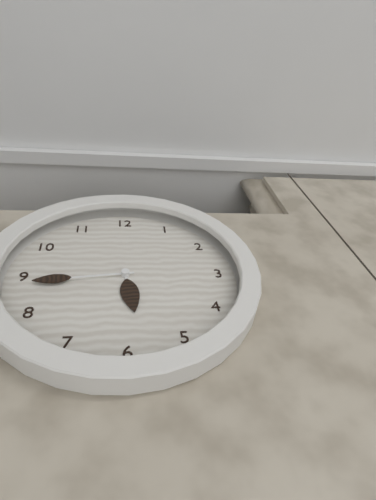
h=5 m=44
